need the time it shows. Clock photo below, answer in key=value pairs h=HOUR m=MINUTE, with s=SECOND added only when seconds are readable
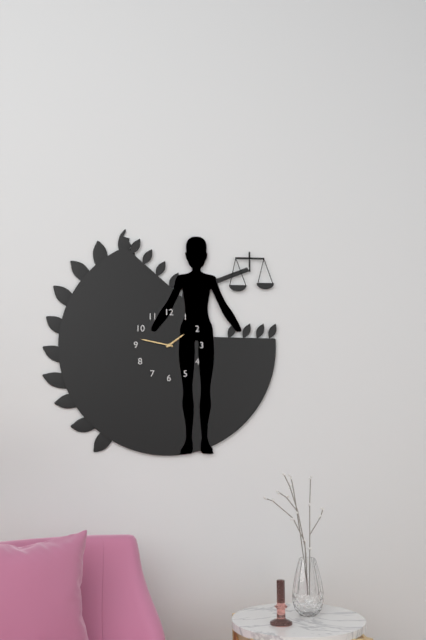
h=1 m=47
